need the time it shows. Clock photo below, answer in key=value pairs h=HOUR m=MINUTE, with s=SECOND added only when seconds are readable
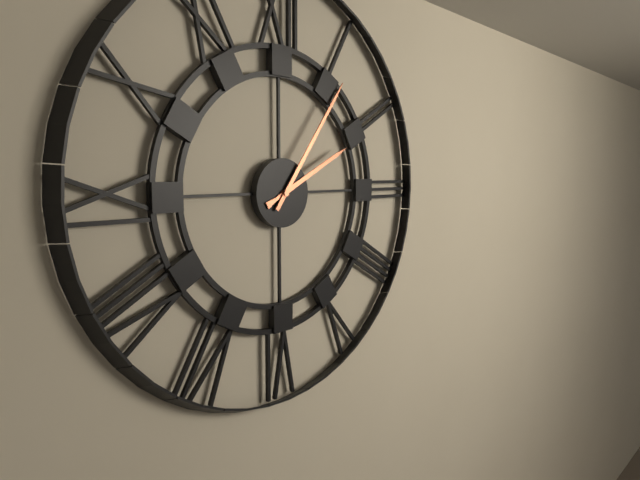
h=2 m=6
